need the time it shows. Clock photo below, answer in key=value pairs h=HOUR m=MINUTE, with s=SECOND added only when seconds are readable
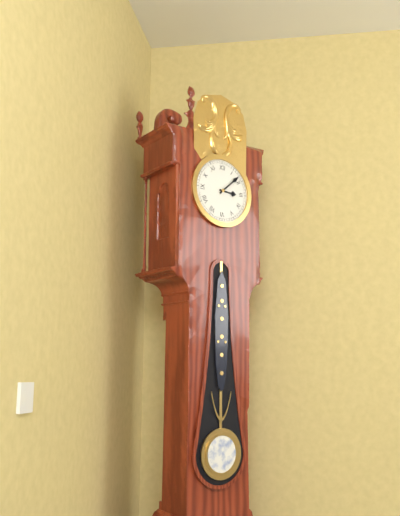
h=3 m=8
